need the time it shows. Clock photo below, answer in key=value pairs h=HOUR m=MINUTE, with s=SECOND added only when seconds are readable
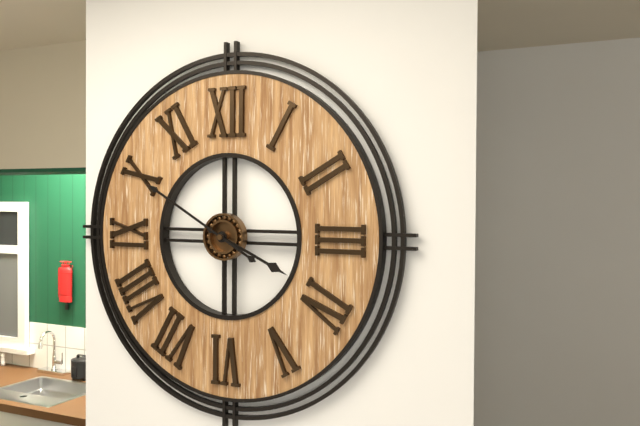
h=3 m=50
